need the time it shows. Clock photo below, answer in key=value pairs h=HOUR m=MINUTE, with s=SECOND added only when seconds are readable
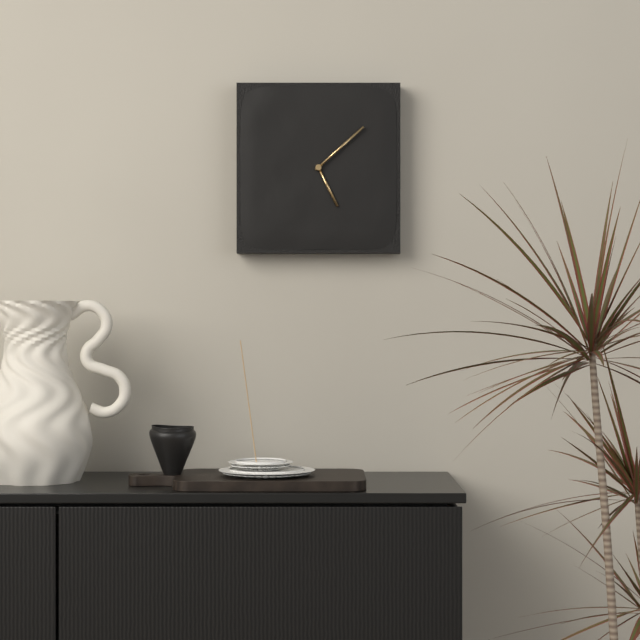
h=5 m=8
